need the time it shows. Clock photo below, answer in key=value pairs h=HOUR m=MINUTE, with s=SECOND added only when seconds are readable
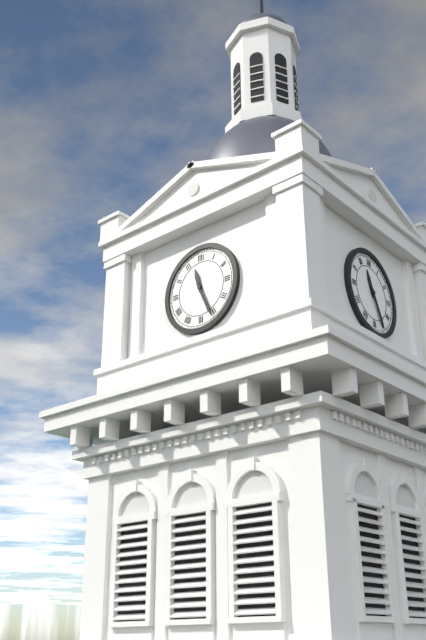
h=11 m=26
